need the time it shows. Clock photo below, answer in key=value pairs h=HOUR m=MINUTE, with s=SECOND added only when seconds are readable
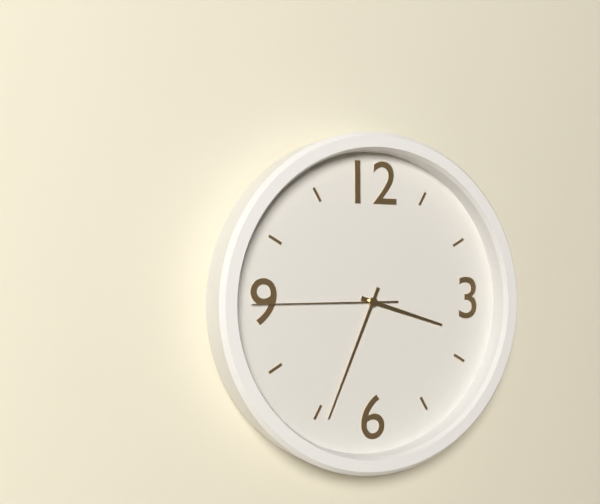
h=3 m=34 s=45
